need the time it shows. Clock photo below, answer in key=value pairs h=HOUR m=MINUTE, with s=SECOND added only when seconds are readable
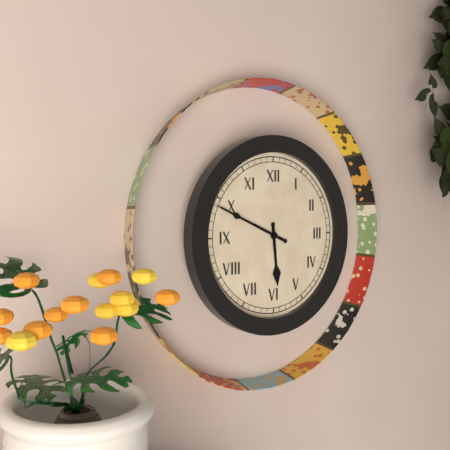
h=5 m=49
